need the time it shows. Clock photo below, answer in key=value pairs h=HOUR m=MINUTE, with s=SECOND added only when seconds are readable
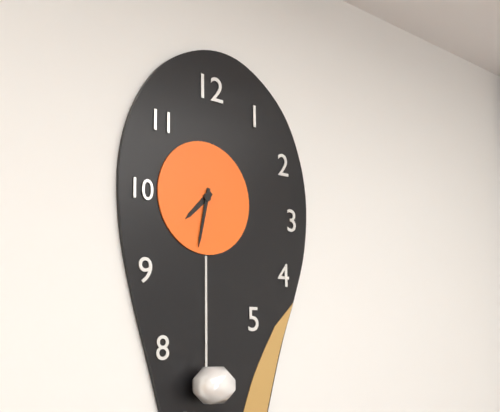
h=7 m=32
